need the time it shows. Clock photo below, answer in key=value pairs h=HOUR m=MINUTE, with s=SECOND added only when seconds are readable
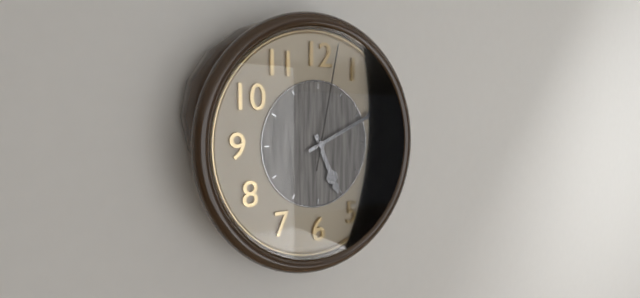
h=5 m=11 s=2
